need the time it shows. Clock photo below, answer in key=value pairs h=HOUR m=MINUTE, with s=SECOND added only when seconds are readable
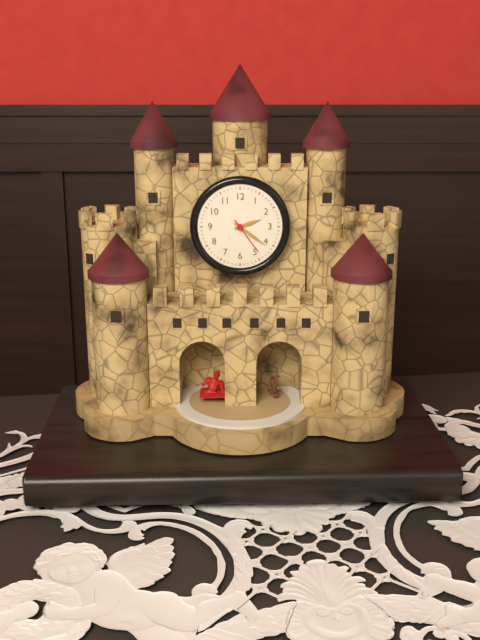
h=2 m=21
